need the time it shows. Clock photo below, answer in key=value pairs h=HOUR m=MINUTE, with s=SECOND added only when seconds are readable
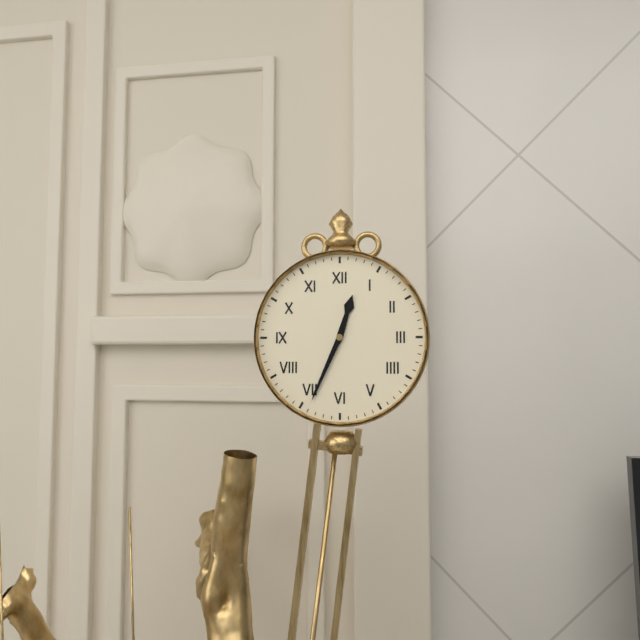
h=12 m=34
